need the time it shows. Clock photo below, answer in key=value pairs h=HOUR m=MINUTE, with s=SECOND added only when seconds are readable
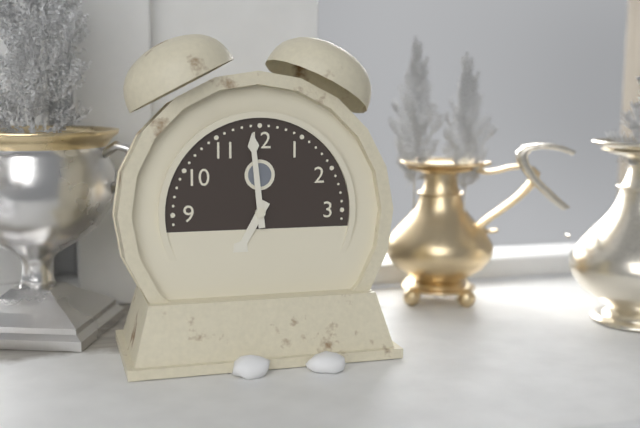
h=6 m=59
